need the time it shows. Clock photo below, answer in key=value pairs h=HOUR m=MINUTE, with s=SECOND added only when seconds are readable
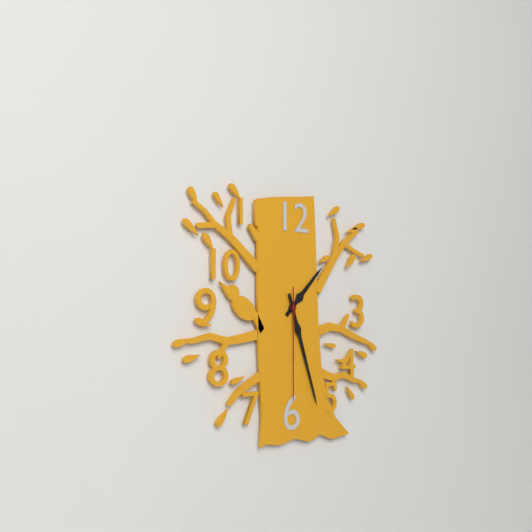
h=1 m=27 s=30
